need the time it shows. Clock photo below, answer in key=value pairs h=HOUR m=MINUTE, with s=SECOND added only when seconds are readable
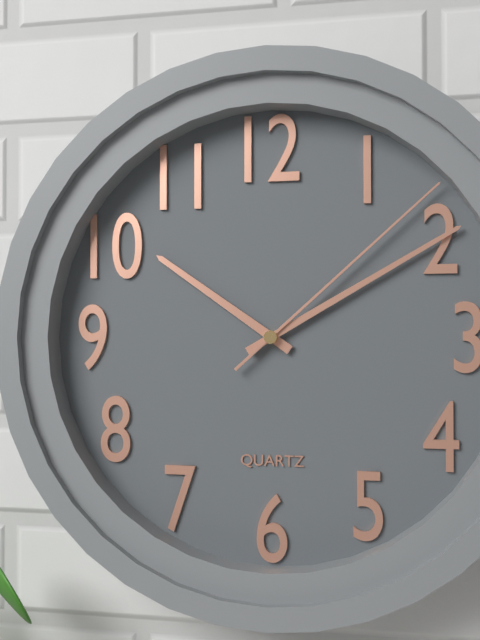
h=10 m=10 s=8
